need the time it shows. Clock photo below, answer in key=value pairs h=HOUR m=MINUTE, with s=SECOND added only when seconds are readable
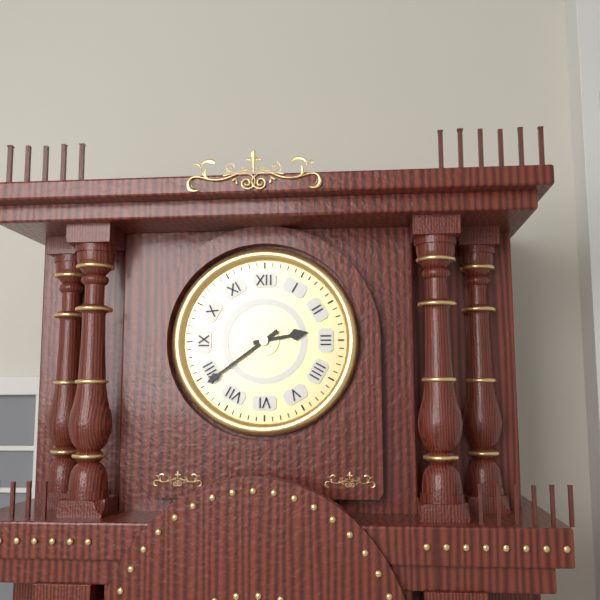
h=2 m=39
